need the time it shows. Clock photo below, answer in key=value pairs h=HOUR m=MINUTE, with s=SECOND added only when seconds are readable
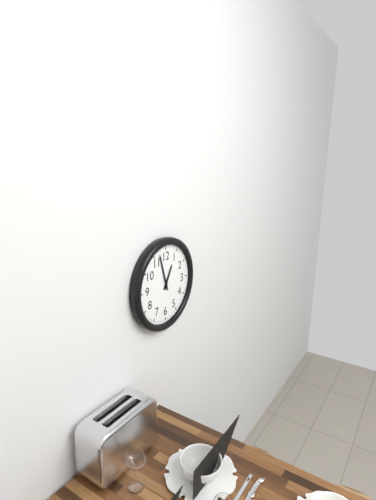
h=12 m=57
